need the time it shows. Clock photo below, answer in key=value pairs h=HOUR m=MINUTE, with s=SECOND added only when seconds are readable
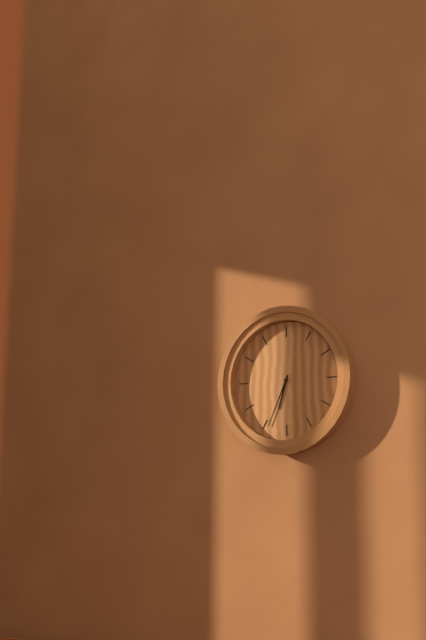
h=6 m=34
